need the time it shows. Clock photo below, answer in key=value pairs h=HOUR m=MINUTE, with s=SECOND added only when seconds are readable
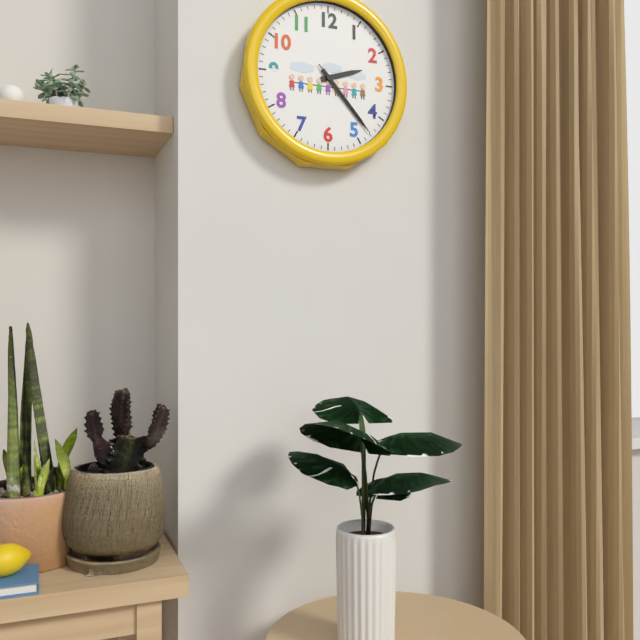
h=2 m=23 s=23
